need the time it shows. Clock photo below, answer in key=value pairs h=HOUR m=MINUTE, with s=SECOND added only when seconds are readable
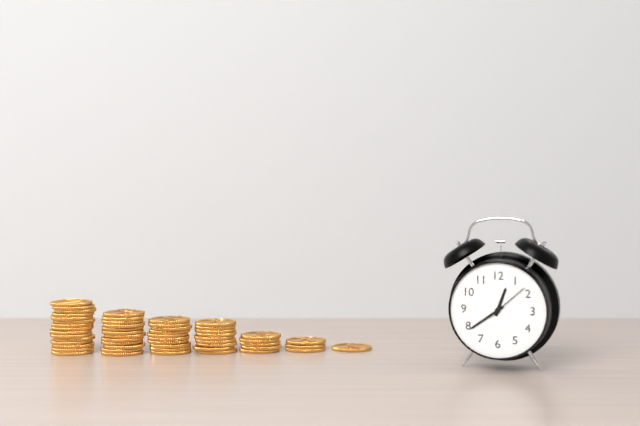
h=12 m=39
